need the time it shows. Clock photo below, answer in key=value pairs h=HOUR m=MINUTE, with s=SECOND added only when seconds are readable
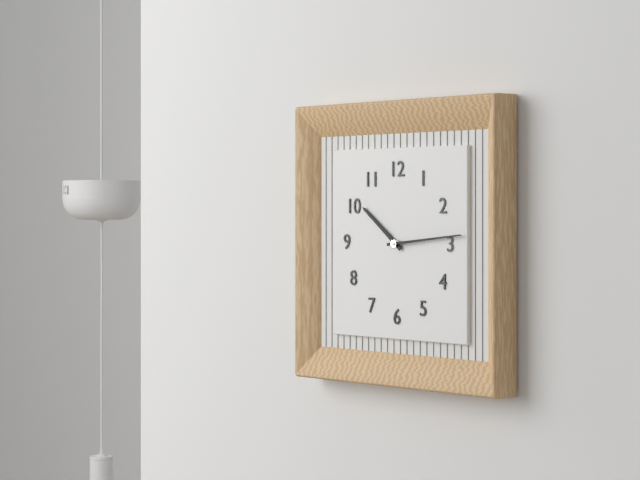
h=10 m=14
